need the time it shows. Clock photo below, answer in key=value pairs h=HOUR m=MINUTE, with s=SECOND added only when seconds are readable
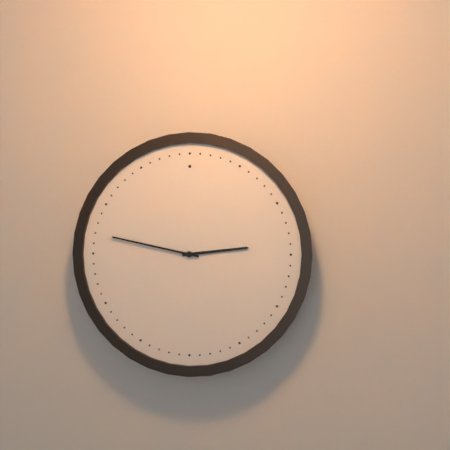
h=2 m=47
